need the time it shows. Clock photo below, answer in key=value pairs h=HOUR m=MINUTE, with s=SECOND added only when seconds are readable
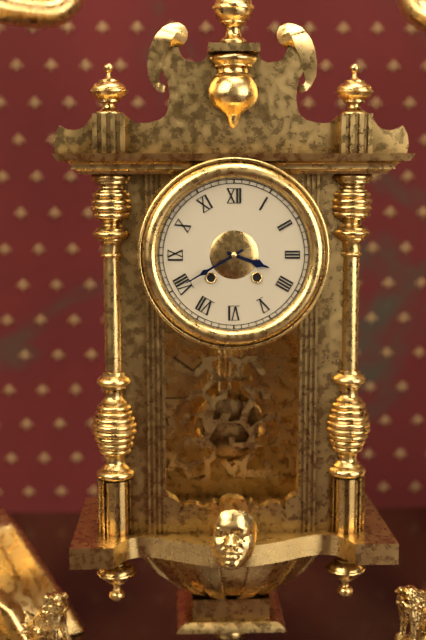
h=3 m=40
